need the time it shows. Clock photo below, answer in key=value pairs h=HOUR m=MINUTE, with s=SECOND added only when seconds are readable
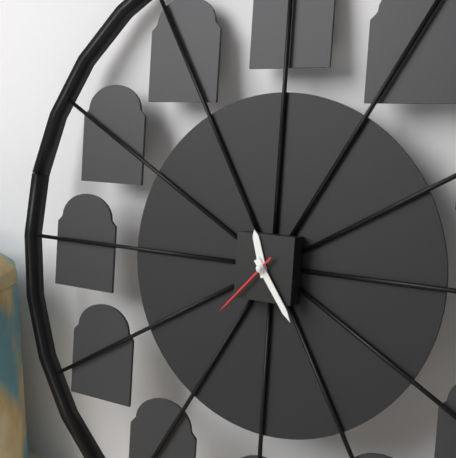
h=11 m=24 s=37
